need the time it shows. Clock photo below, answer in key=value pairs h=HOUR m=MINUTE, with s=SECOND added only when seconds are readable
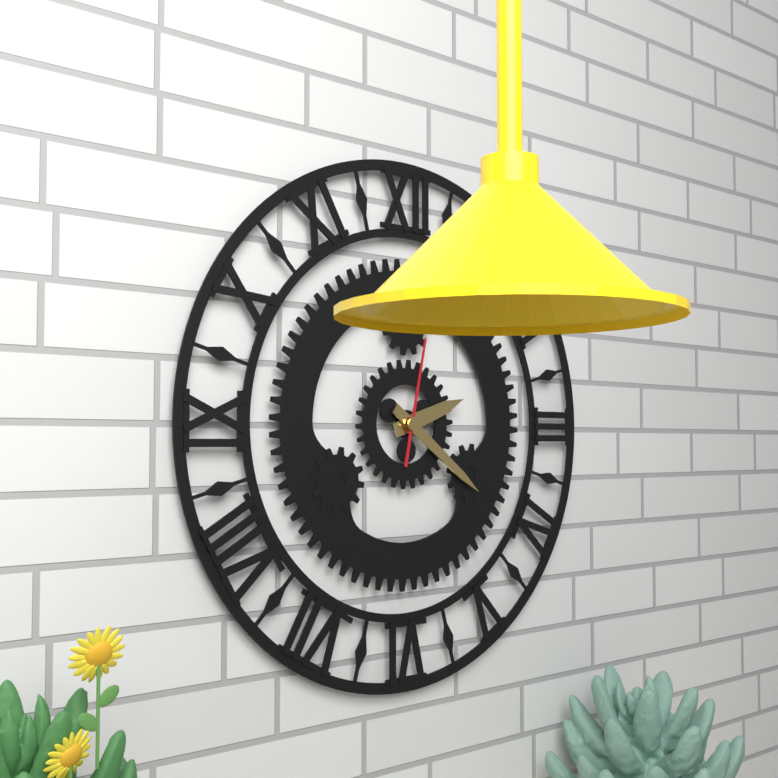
h=2 m=21 s=2
